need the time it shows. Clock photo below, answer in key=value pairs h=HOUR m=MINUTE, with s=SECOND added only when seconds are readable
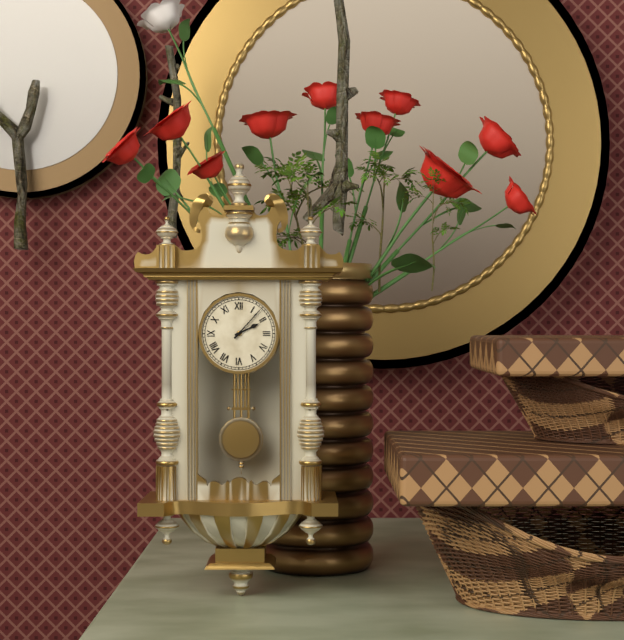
h=2 m=7
